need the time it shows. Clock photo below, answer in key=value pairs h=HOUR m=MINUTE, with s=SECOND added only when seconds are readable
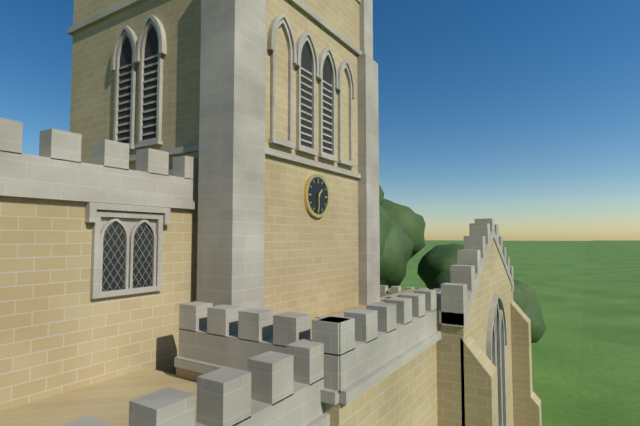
h=1 m=30
